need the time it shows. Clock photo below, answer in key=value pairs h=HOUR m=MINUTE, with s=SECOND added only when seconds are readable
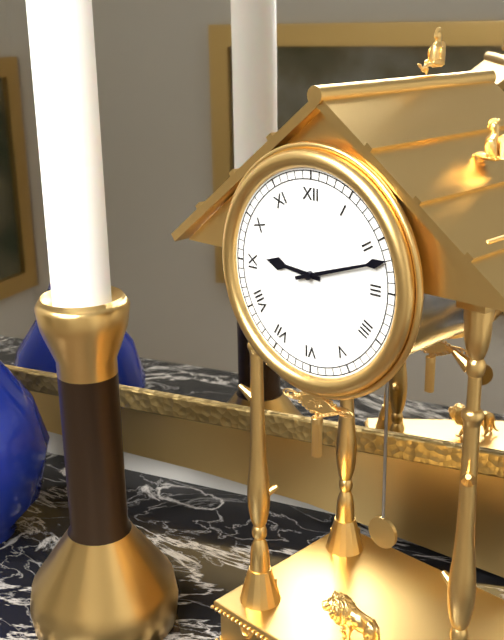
h=9 m=12
